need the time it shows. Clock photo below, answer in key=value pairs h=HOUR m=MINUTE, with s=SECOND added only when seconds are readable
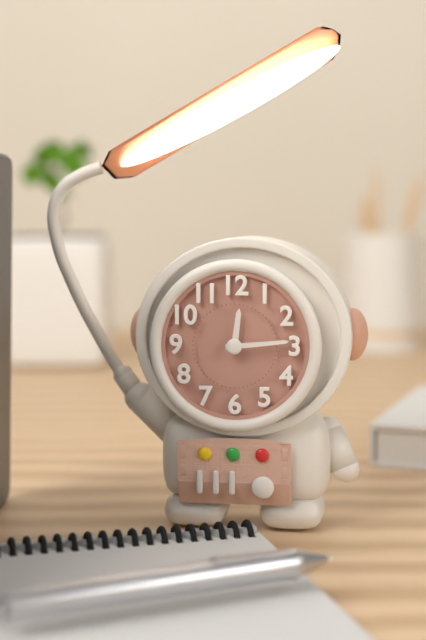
h=12 m=14
